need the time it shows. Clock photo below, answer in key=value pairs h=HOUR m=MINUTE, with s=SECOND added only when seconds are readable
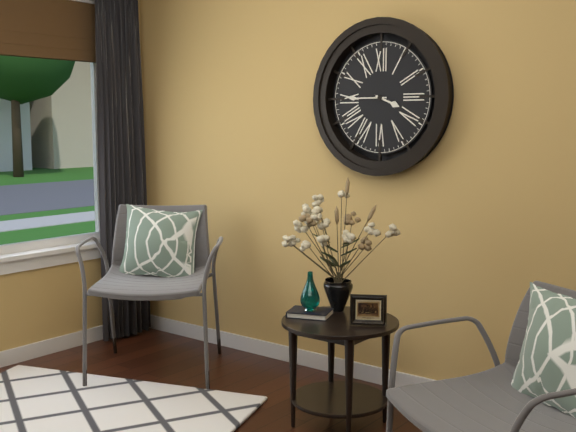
h=3 m=45
